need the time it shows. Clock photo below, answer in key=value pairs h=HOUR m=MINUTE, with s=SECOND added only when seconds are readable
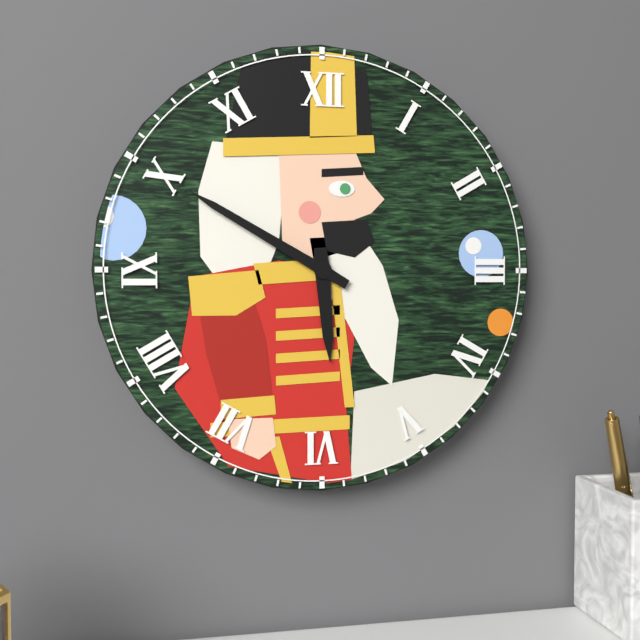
h=5 m=50
